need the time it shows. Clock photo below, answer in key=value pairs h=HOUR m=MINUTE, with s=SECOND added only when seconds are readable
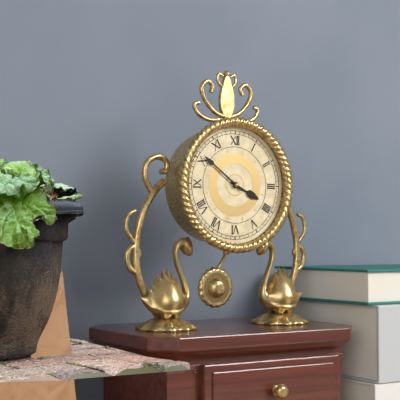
h=3 m=51
